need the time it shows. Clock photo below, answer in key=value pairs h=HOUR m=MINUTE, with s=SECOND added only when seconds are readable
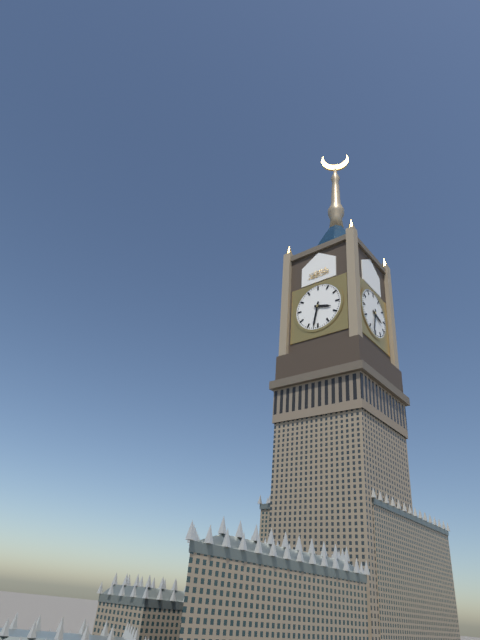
h=3 m=32
